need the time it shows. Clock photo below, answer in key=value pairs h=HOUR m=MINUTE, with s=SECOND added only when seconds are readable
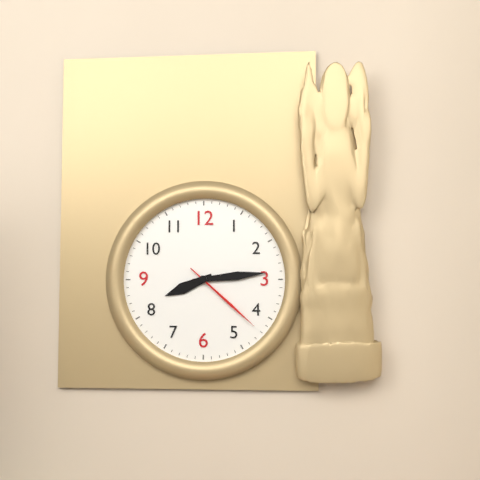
h=8 m=14 s=22
